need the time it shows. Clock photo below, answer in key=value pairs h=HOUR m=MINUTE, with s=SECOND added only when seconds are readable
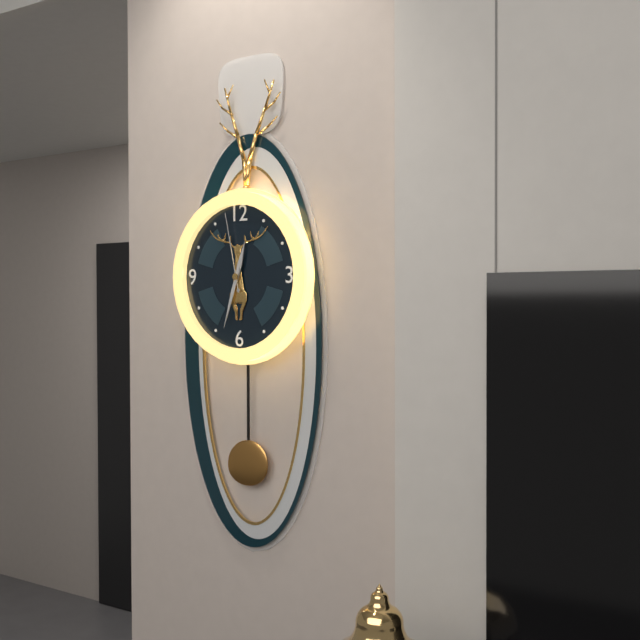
h=12 m=33 s=58
